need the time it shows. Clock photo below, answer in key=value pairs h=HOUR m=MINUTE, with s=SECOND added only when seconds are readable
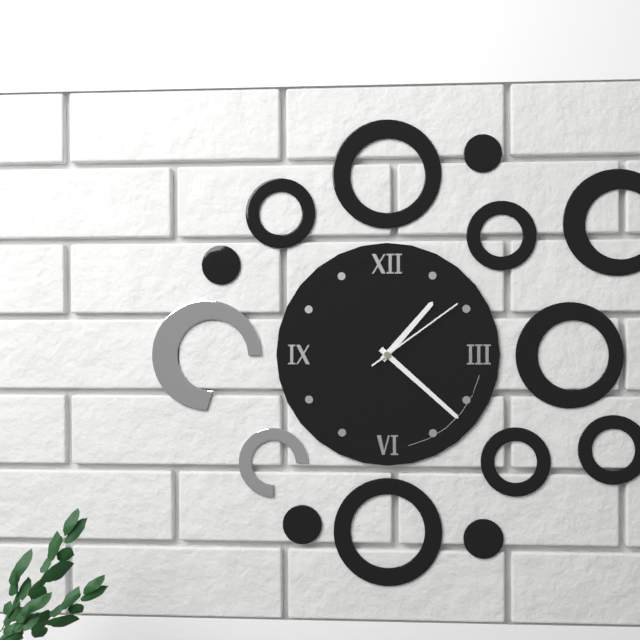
h=1 m=22 s=9
